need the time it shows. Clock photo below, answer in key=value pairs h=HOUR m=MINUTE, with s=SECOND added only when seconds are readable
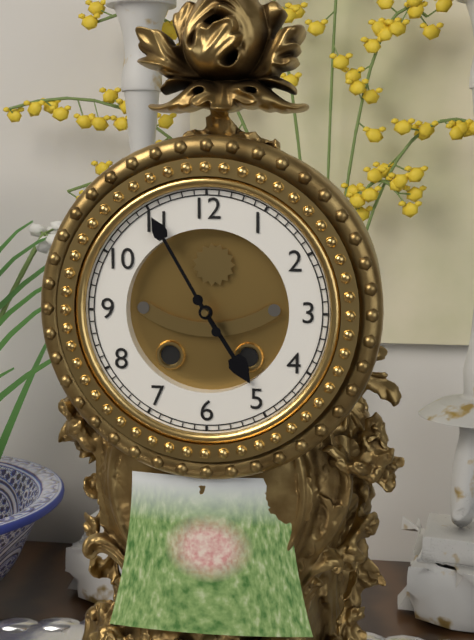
h=4 m=55
